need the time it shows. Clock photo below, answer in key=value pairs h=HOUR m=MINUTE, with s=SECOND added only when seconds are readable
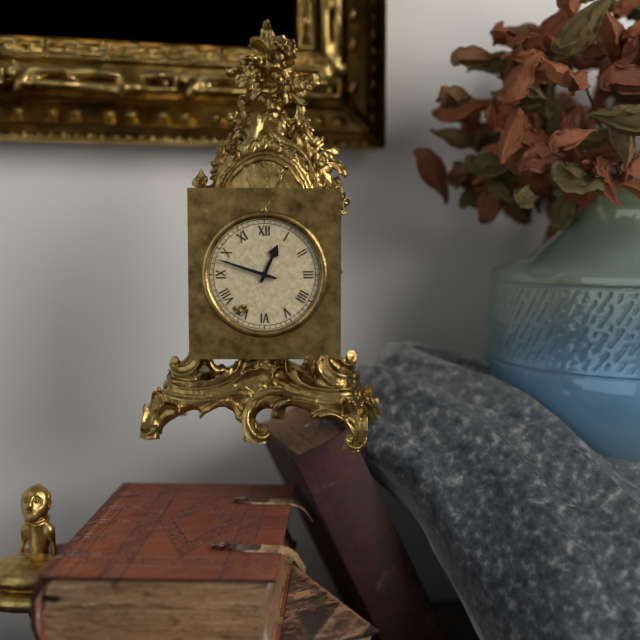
h=12 m=48
